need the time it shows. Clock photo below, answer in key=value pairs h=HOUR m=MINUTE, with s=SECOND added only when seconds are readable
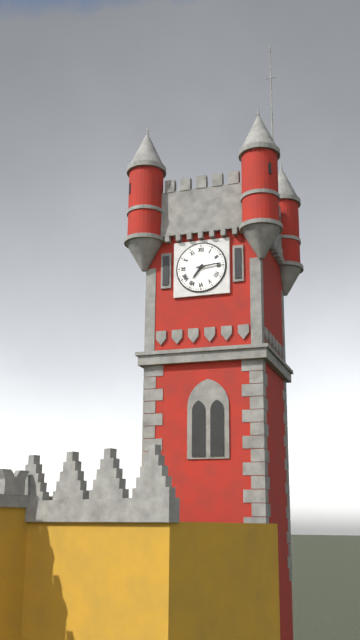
h=7 m=14
